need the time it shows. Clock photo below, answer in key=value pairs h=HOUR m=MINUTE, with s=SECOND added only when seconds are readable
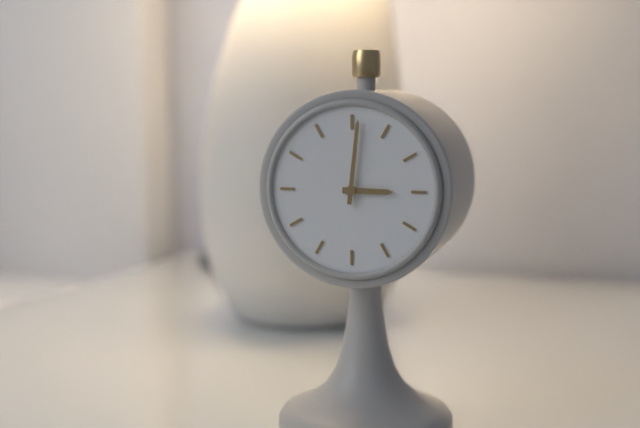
h=3 m=1
